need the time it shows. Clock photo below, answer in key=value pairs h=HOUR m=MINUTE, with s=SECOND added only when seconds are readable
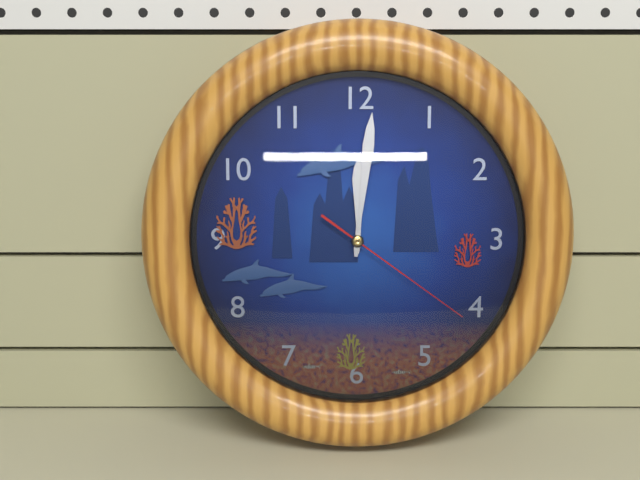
h=12 m=1 s=21
